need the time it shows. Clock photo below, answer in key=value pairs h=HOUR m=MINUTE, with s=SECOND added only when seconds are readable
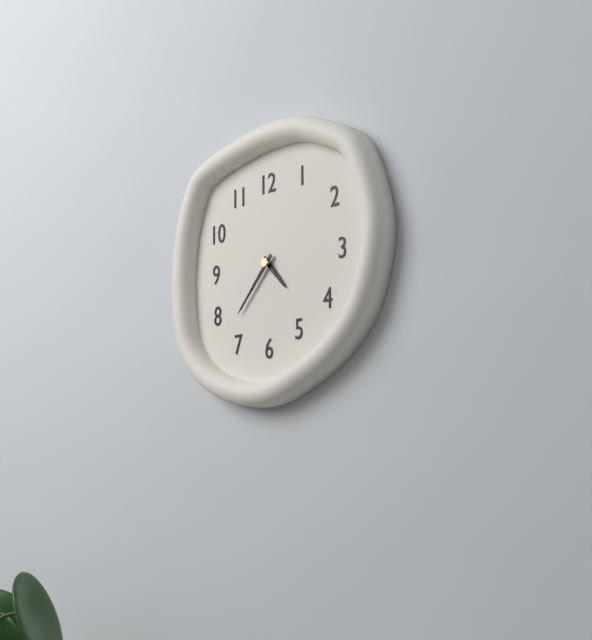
h=4 m=37
